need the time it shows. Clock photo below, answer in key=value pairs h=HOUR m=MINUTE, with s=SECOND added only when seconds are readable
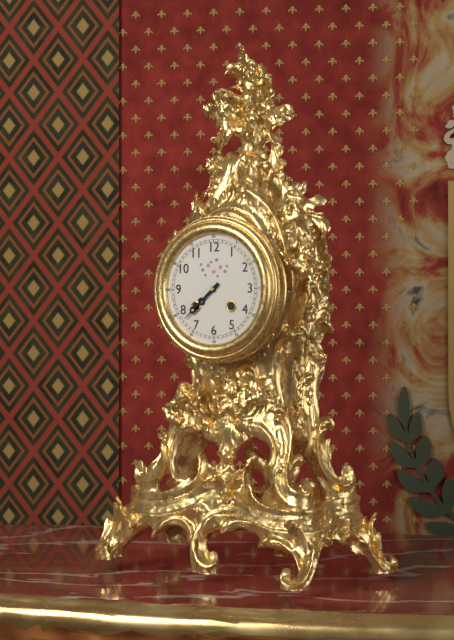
h=7 m=38
